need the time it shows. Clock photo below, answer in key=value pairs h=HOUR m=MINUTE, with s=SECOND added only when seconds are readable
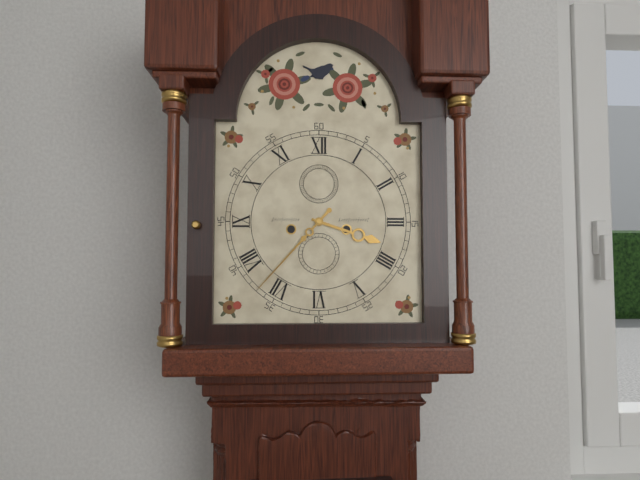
h=3 m=37
